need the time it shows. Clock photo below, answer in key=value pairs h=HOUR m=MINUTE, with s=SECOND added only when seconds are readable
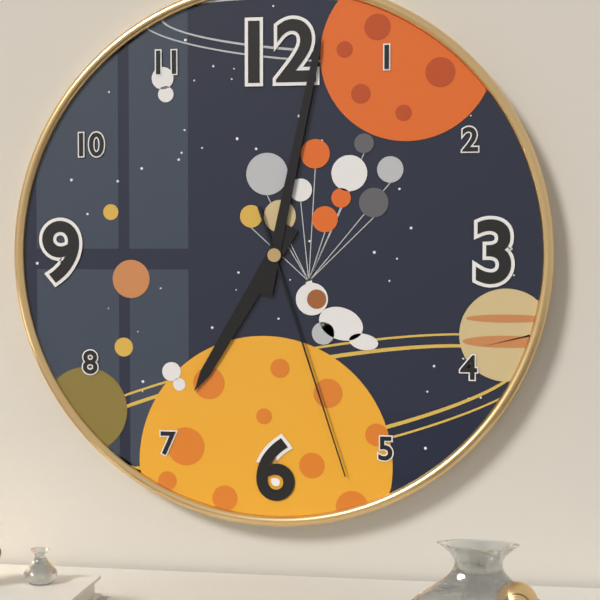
h=7 m=2 s=27
